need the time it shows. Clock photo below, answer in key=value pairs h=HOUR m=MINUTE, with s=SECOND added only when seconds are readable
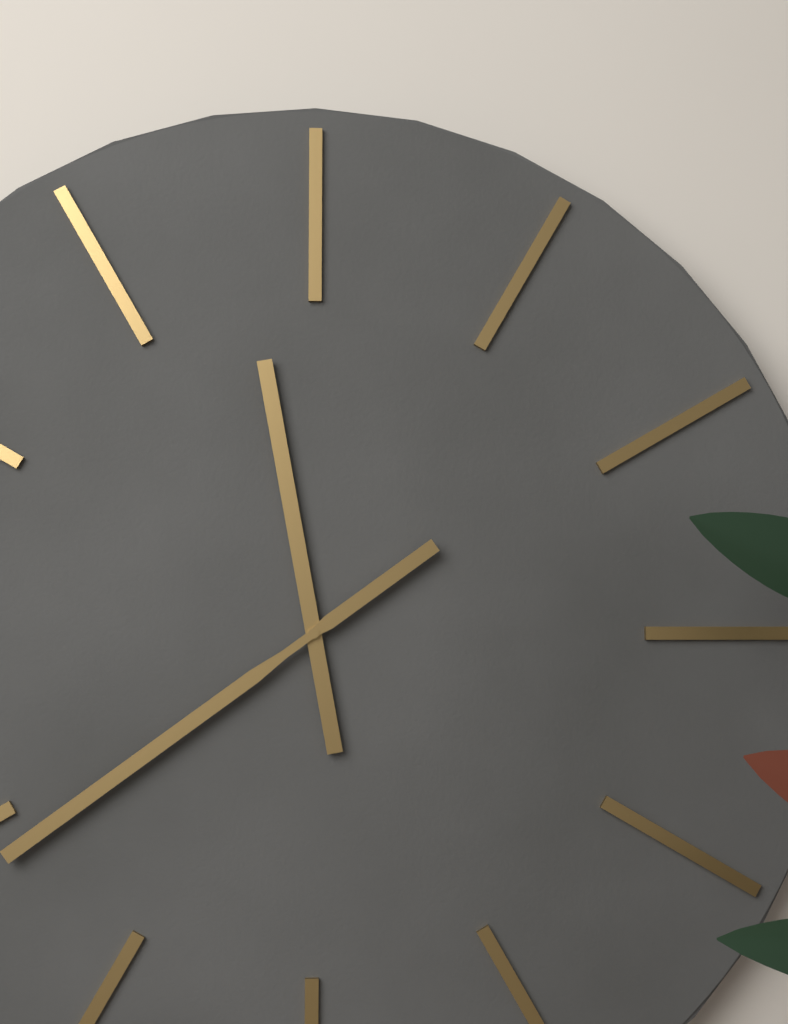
h=11 m=39
